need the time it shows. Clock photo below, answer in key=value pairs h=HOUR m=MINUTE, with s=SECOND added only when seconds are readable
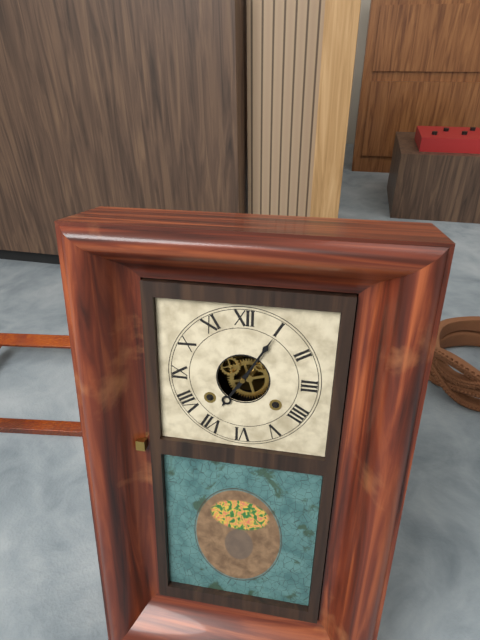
h=7 m=5
